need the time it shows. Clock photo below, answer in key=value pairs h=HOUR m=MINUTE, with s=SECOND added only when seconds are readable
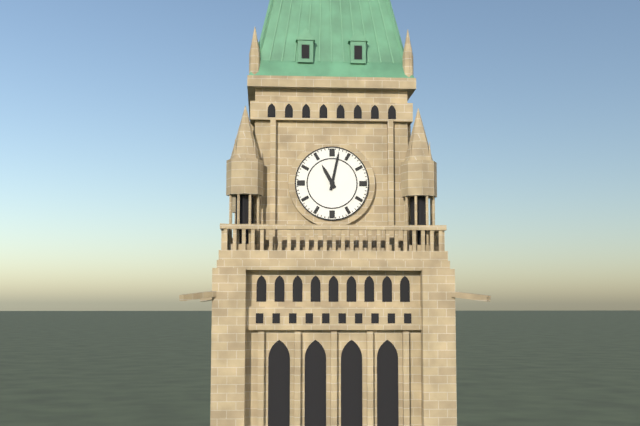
h=11 m=2
